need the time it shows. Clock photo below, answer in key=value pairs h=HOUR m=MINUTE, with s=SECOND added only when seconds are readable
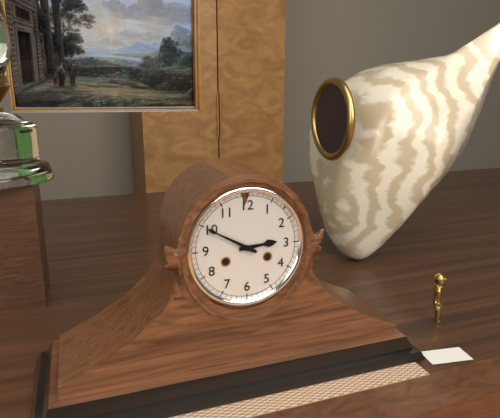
h=2 m=50
